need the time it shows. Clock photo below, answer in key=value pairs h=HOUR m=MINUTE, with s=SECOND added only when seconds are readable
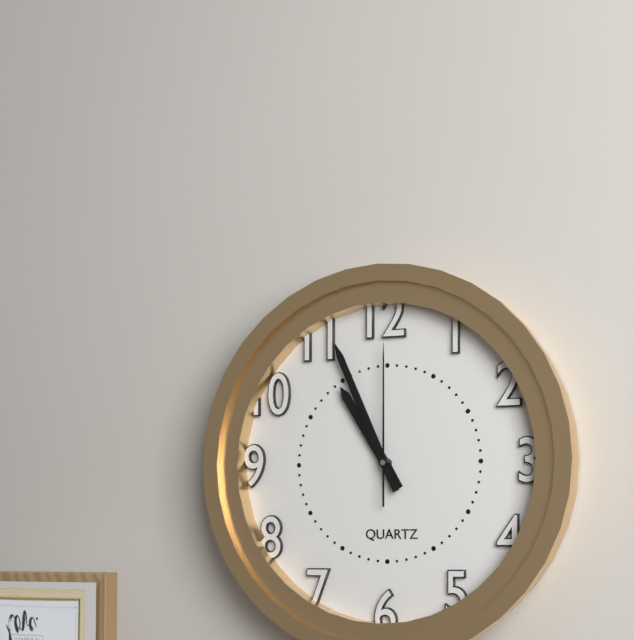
h=10 m=56 s=0
